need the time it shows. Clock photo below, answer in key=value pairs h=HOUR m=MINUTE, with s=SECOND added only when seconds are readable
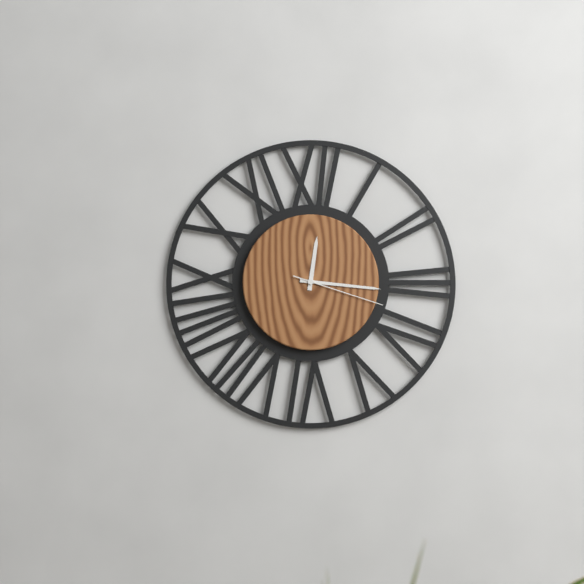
h=12 m=16 s=18
